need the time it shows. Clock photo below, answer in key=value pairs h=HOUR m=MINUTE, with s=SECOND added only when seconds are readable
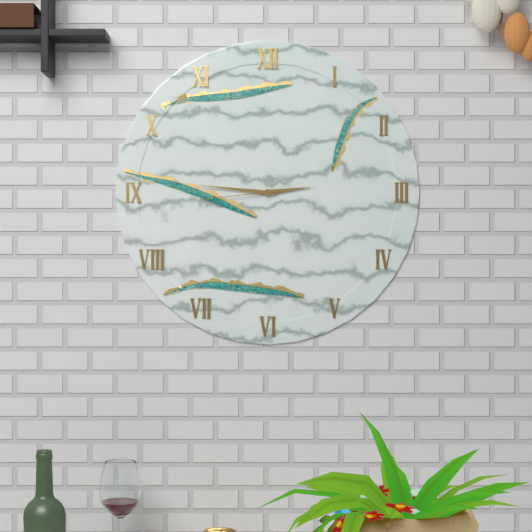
h=2 m=46 s=44
